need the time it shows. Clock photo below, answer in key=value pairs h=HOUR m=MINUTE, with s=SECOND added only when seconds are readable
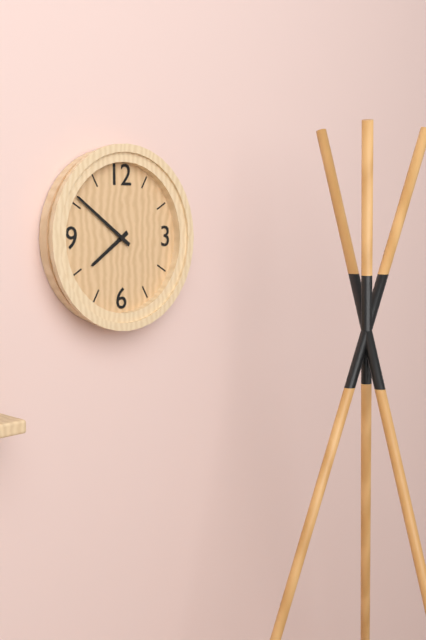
h=7 m=51
